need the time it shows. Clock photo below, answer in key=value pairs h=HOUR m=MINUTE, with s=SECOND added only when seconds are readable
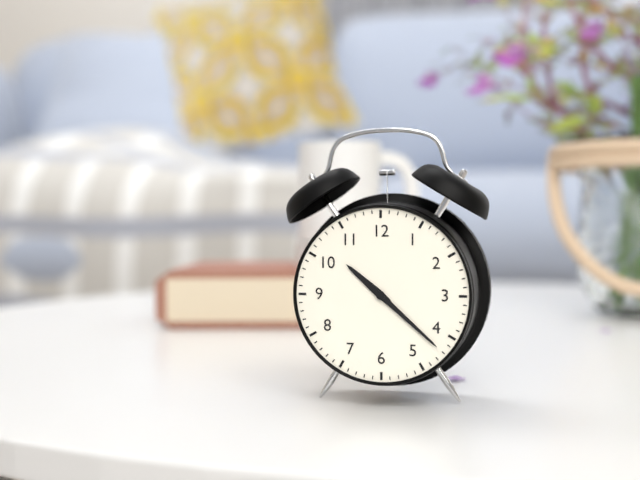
h=10 m=22
